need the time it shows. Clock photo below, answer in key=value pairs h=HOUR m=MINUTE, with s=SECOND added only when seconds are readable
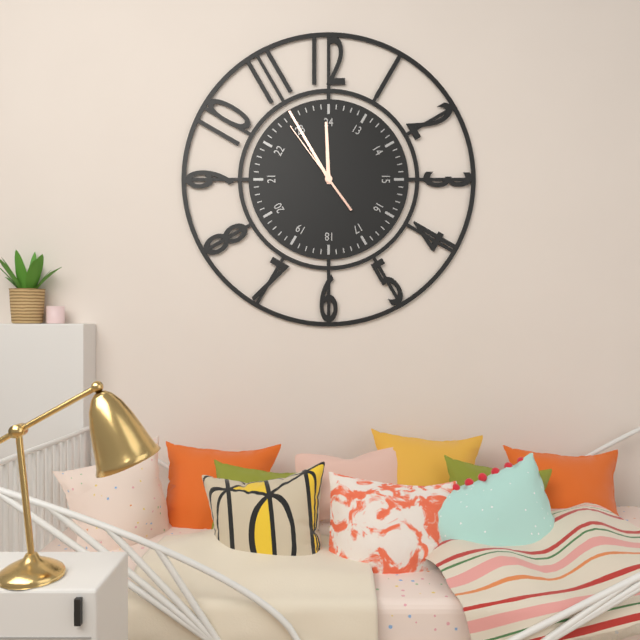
h=11 m=55 s=54
